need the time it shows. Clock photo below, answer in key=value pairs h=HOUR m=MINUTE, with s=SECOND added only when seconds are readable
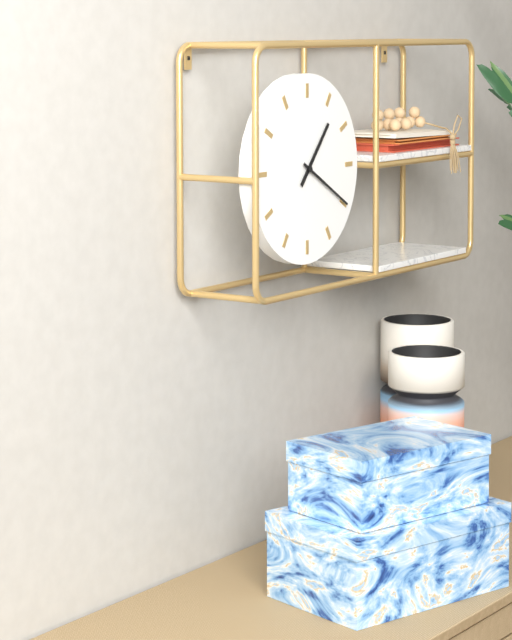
h=1 m=20
